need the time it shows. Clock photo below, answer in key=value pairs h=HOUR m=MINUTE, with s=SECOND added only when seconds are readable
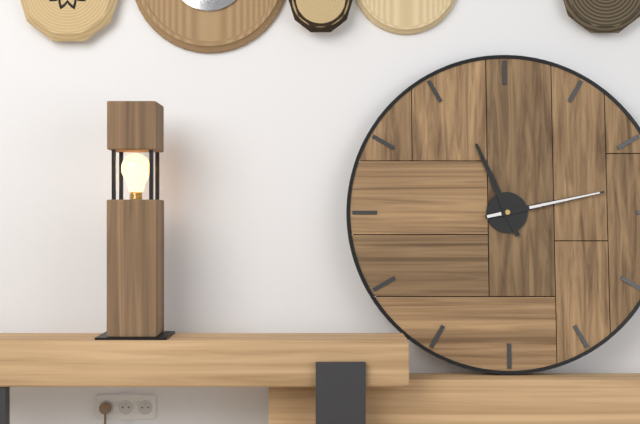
h=11 m=13
